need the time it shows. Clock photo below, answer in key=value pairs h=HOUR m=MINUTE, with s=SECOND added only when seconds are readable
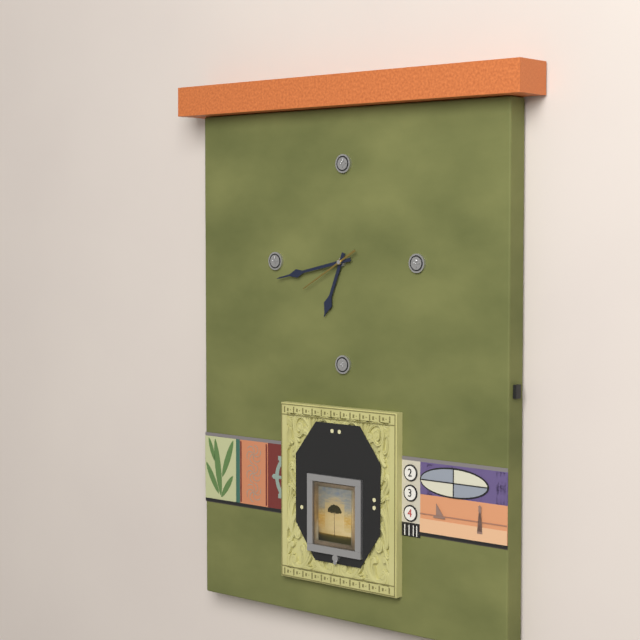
h=6 m=43 s=40
